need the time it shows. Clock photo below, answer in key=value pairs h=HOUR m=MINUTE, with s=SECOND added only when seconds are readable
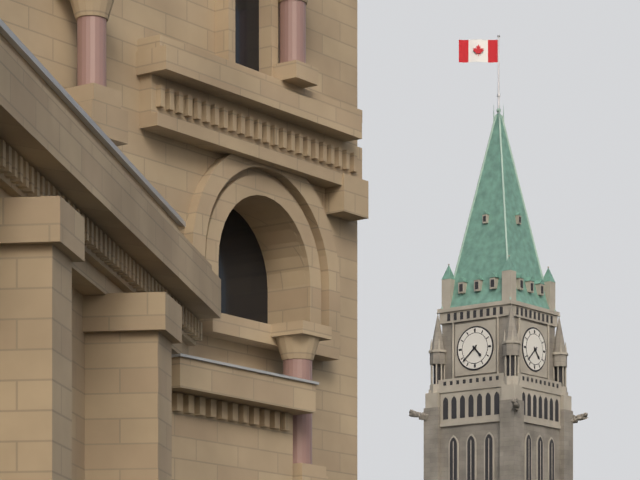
h=4 m=38
